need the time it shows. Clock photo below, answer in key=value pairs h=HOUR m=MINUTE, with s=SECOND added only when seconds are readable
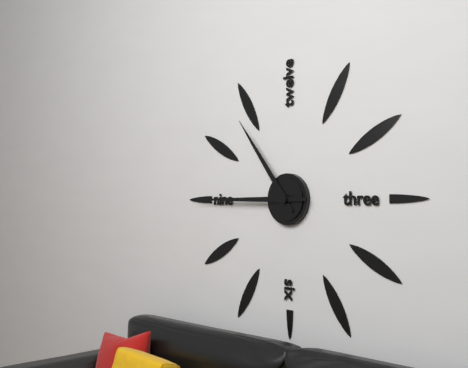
h=10 m=45
